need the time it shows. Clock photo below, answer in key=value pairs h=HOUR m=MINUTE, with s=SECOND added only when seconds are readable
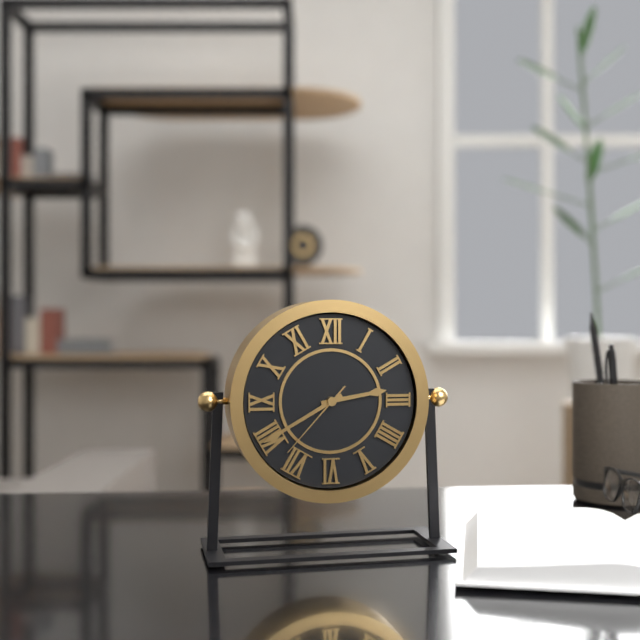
h=2 m=40 s=37
